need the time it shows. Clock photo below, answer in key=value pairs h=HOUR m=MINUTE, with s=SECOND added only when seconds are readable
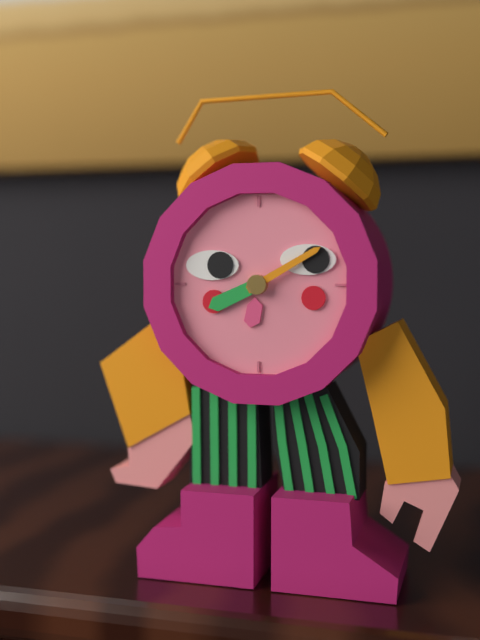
h=8 m=10
